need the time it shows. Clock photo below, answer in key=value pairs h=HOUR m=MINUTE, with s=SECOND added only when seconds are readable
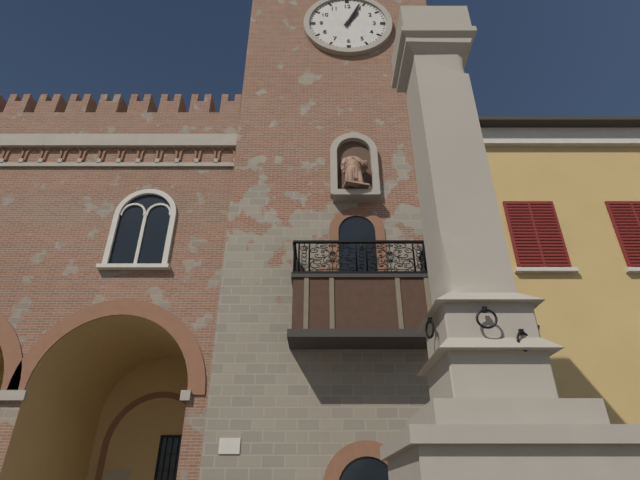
h=1 m=4
